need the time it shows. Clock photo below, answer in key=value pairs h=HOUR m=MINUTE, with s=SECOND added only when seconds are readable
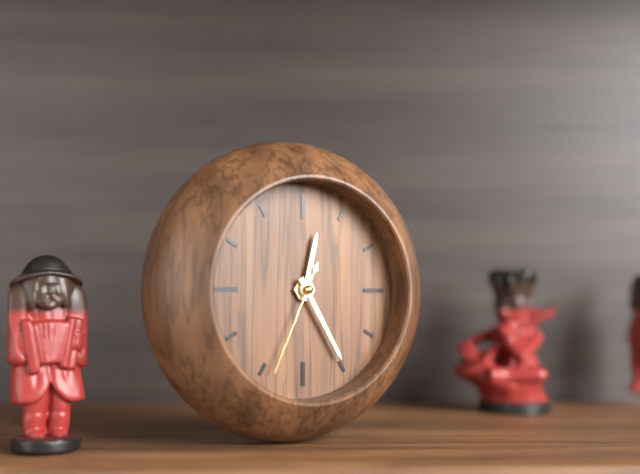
h=12 m=25 s=34
